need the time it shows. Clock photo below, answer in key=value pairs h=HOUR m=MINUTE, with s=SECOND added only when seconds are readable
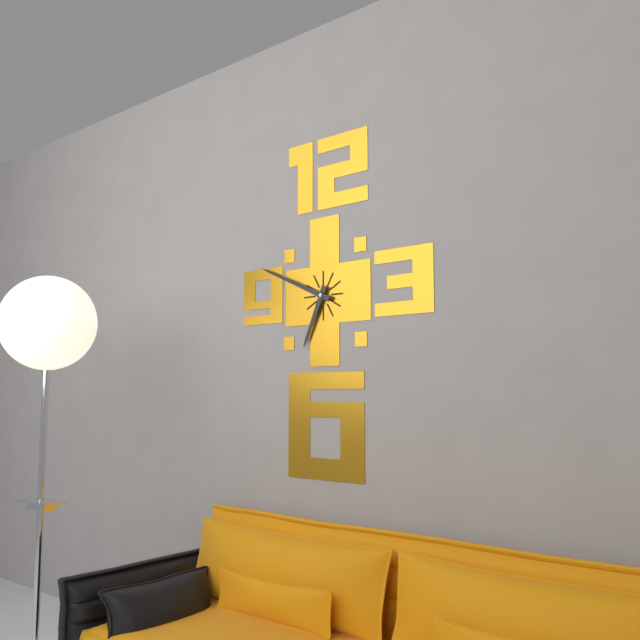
h=6 m=49
